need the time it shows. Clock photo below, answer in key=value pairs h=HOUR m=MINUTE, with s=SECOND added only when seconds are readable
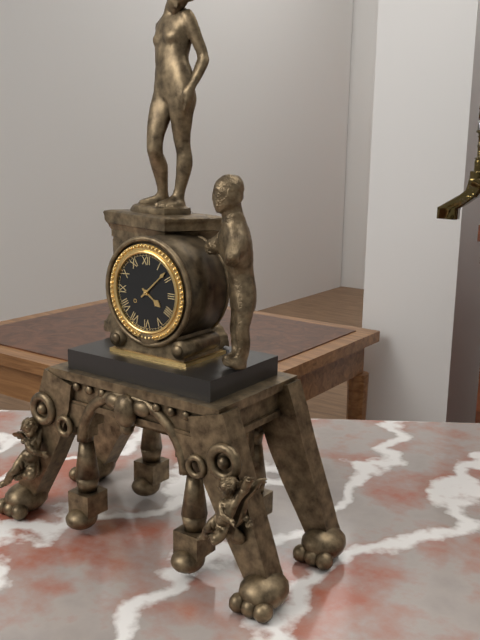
h=4 m=8
